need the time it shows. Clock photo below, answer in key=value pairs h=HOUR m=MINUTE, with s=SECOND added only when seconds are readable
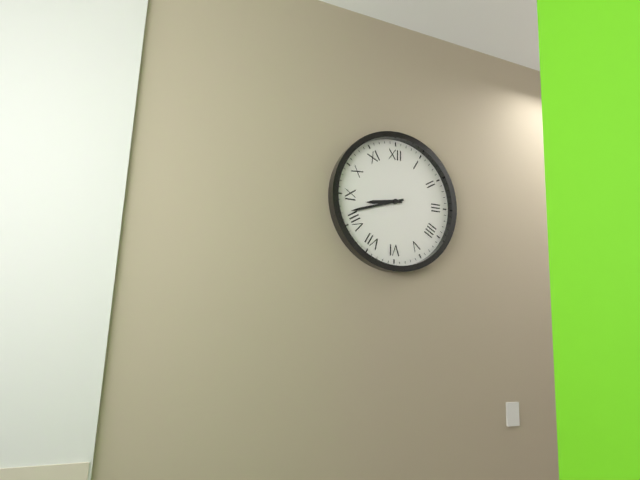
h=8 m=42
